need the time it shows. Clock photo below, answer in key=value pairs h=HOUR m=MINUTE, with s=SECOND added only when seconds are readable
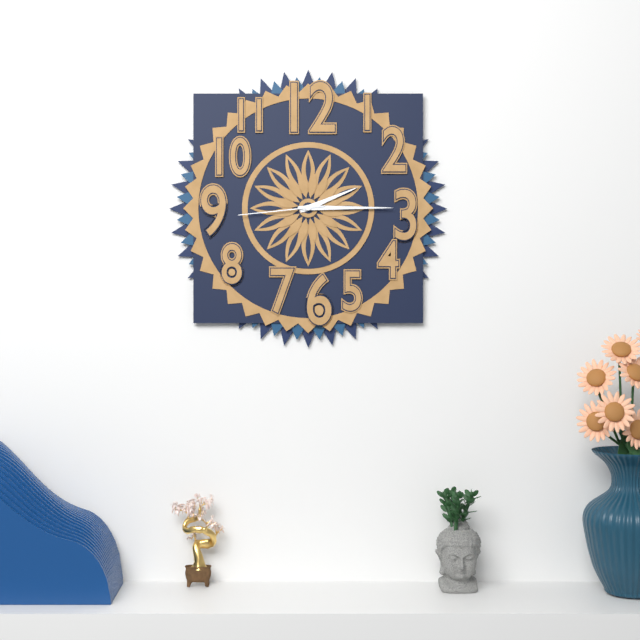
h=2 m=15 s=44
